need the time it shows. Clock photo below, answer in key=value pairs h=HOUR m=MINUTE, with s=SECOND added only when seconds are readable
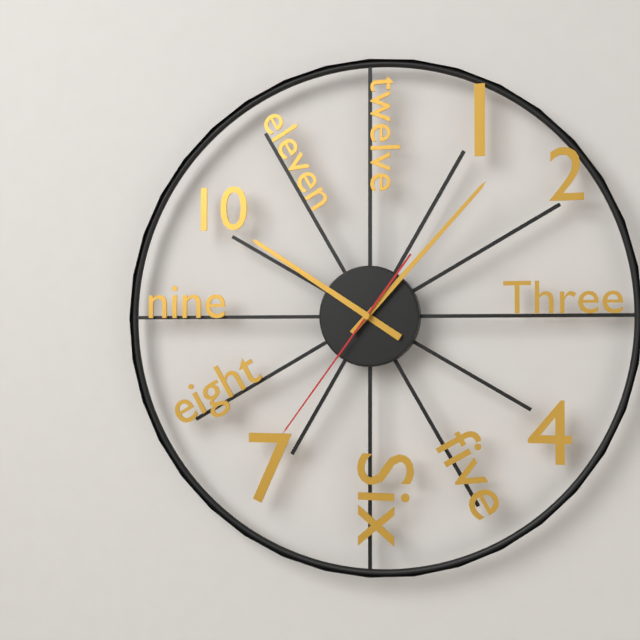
h=10 m=7 s=36
